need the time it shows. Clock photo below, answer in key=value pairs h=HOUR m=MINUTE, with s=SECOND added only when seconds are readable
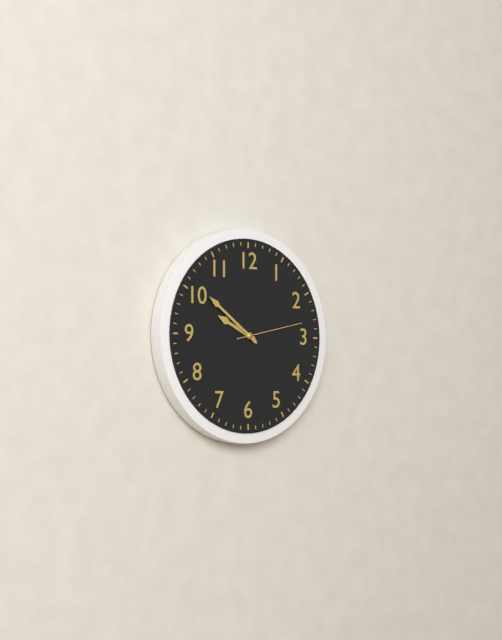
h=9 m=51 s=13
